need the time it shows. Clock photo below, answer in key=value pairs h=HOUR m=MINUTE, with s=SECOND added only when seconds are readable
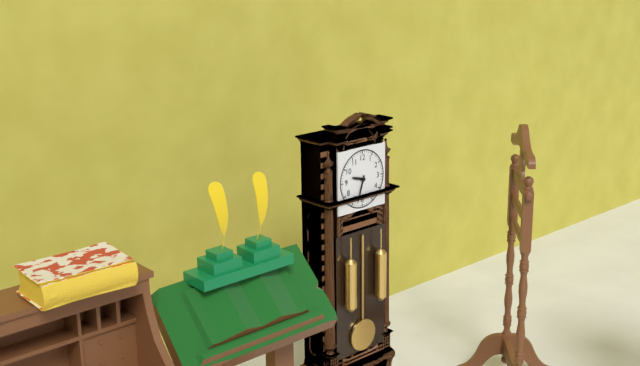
h=9 m=33
